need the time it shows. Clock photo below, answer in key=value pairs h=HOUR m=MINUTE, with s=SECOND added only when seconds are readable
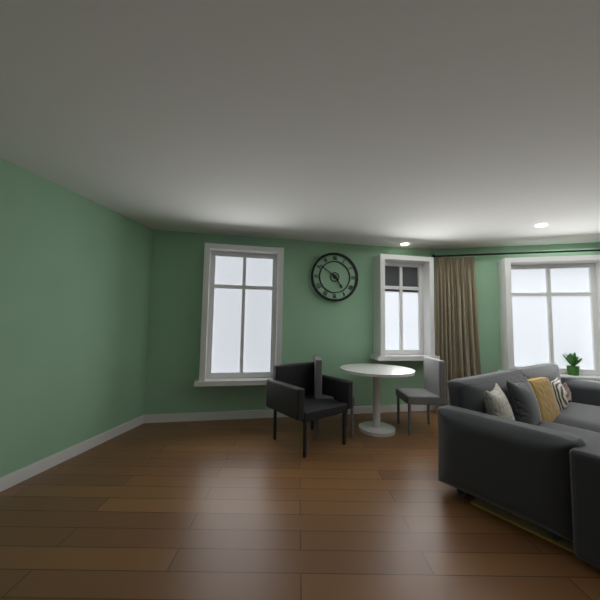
h=4 m=51
